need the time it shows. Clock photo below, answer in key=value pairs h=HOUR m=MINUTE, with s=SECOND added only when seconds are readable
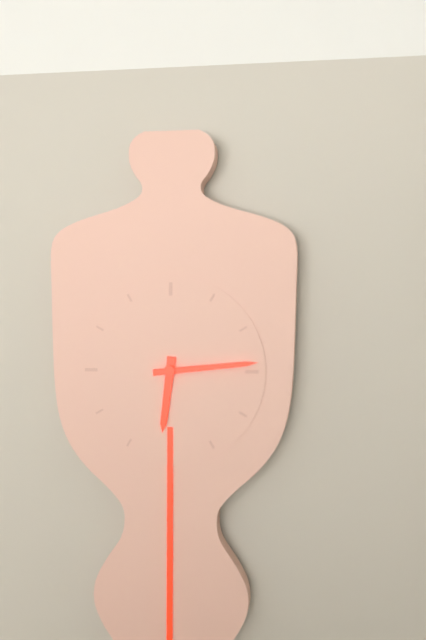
h=6 m=14
